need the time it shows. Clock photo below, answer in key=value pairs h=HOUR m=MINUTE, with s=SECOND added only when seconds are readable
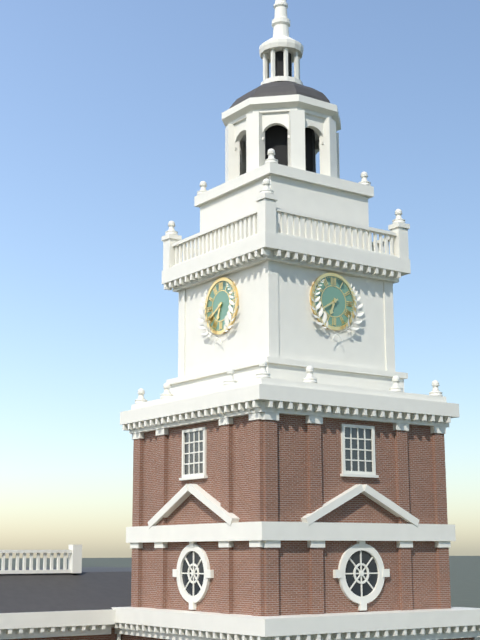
h=6 m=40
